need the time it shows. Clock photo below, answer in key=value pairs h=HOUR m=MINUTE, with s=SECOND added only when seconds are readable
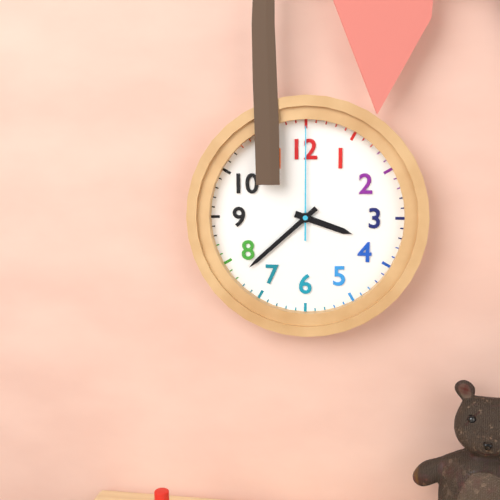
h=3 m=38 s=0
